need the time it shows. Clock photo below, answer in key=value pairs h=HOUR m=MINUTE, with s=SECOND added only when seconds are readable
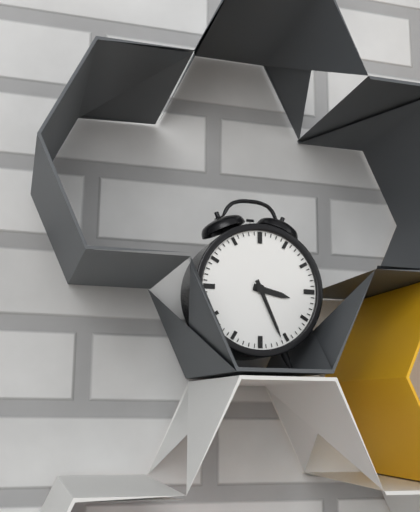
h=3 m=26
